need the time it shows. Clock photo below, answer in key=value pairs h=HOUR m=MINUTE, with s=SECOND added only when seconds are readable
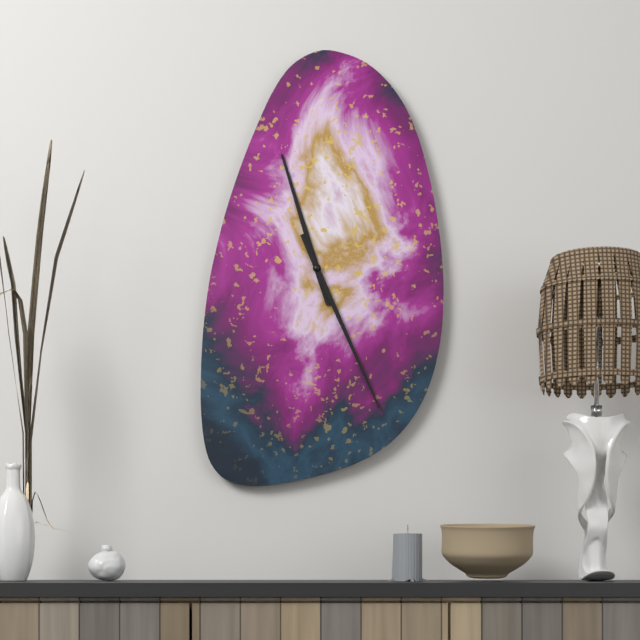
h=11 m=26
